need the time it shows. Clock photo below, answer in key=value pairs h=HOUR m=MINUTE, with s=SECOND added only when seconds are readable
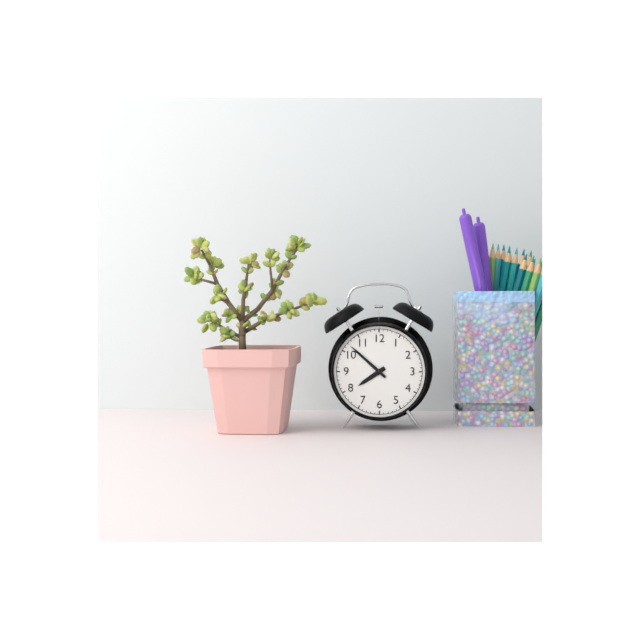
h=7 m=52
